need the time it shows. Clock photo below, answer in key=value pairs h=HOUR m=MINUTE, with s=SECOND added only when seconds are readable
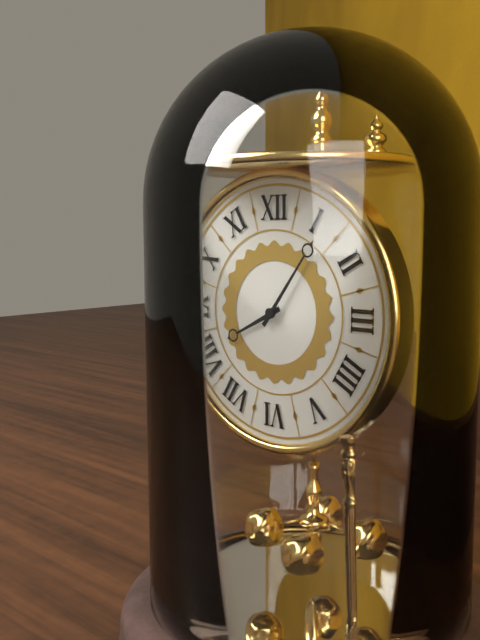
h=8 m=6
